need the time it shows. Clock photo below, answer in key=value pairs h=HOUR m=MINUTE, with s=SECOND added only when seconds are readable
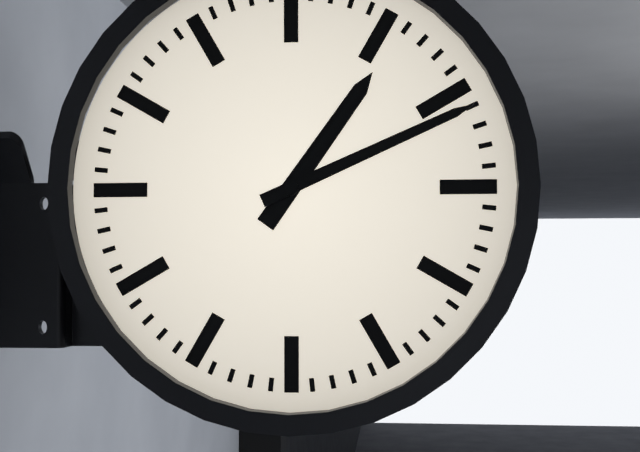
h=1 m=11
